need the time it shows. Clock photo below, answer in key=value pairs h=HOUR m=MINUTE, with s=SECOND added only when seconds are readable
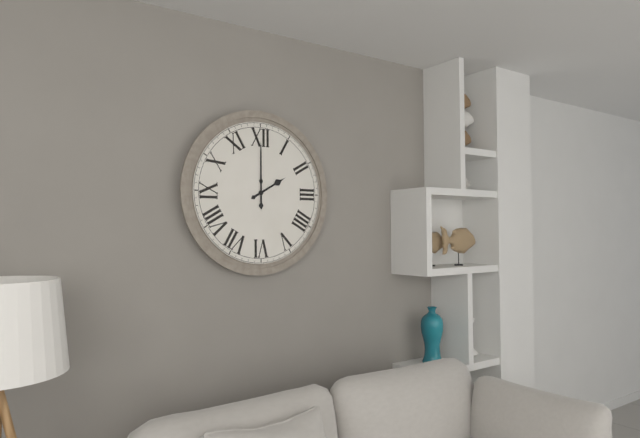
h=2 m=0
